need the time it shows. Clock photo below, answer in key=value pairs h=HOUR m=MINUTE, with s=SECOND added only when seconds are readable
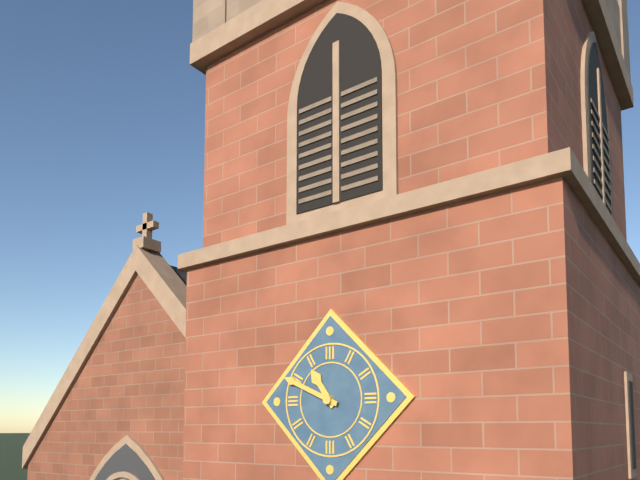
h=10 m=49
